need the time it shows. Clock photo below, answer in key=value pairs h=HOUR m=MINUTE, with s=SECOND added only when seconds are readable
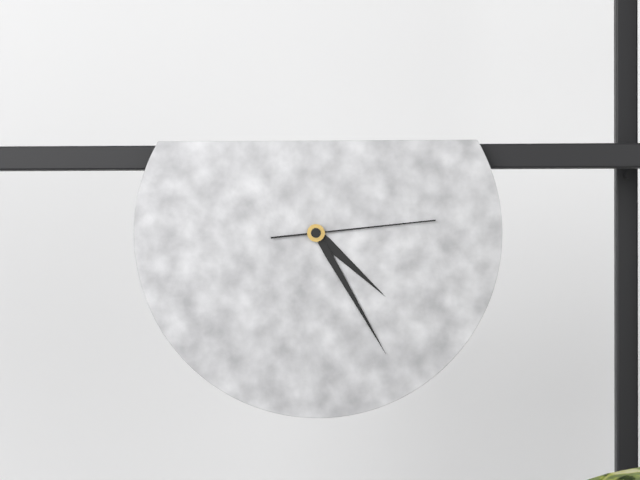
h=4 m=25 s=14
